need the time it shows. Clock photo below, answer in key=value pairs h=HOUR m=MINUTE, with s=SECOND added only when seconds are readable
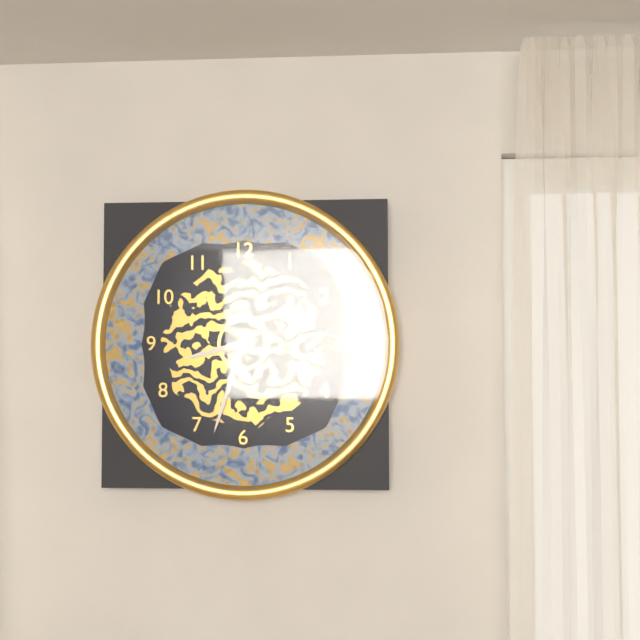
h=8 m=33
